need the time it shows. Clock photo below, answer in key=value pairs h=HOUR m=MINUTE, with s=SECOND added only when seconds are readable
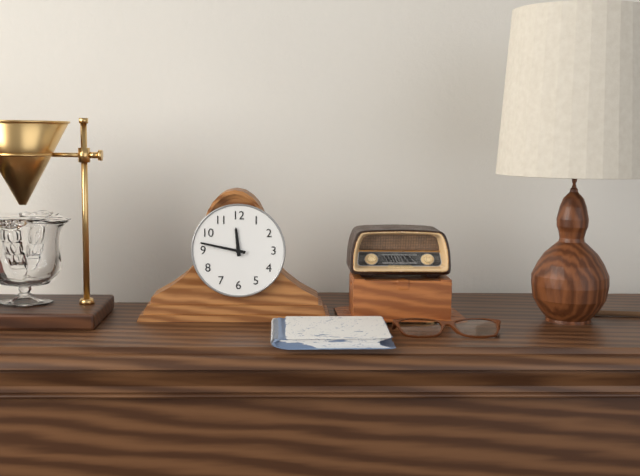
h=11 m=47
